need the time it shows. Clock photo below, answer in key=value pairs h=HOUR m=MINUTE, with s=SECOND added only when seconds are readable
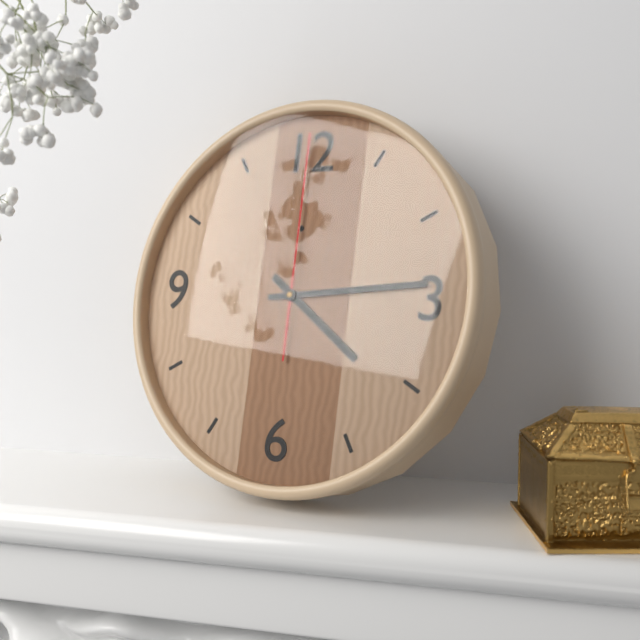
h=4 m=14 s=0
